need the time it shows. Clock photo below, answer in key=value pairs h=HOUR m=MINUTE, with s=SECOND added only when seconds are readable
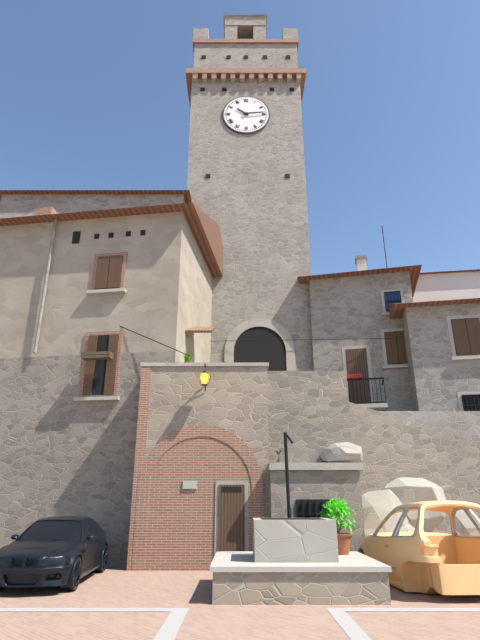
h=10 m=14
